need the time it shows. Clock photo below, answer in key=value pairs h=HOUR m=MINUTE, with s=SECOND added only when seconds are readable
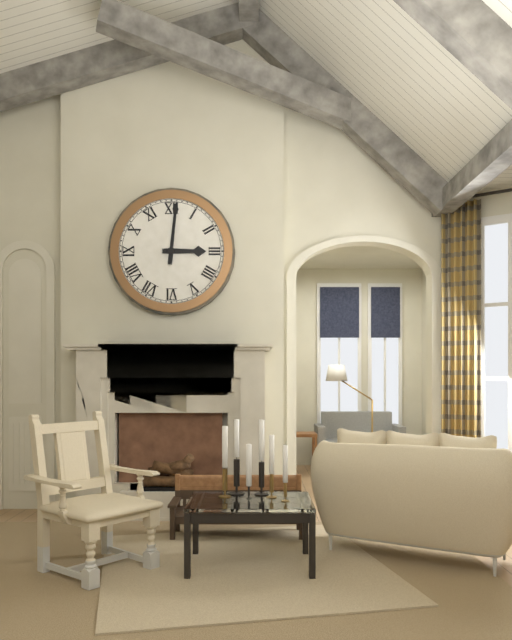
h=3 m=1
